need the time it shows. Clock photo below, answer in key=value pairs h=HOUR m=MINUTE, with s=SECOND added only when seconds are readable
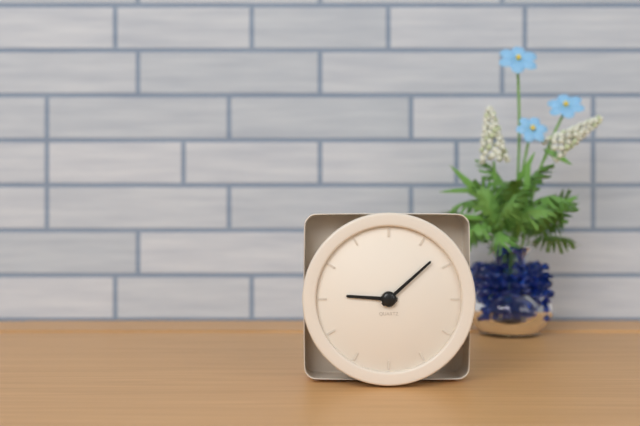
h=9 m=8
